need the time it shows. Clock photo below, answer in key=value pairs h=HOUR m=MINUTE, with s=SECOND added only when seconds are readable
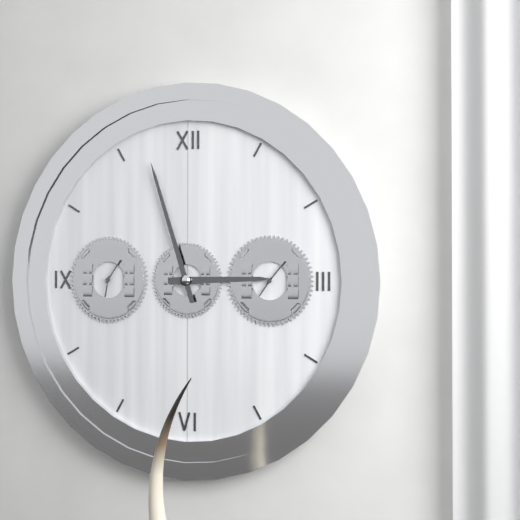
h=2 m=57
